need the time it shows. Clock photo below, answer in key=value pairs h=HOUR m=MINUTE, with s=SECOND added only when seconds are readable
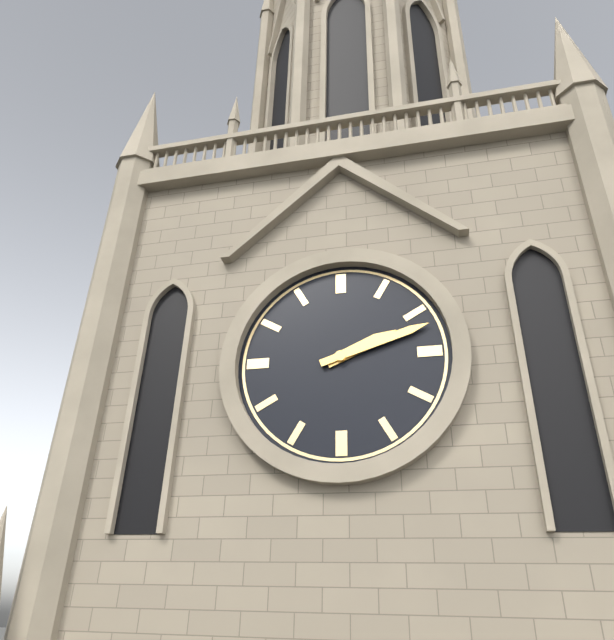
h=2 m=12
